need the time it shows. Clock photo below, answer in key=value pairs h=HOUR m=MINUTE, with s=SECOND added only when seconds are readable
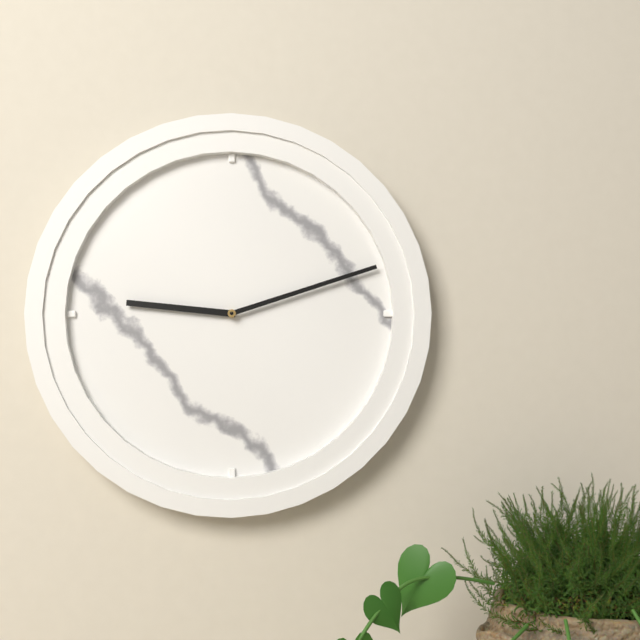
h=9 m=12
